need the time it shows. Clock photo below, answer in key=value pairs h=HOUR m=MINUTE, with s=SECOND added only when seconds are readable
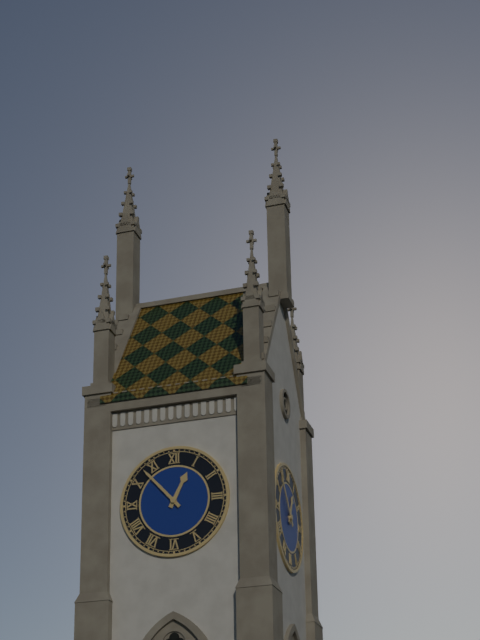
h=12 m=53
